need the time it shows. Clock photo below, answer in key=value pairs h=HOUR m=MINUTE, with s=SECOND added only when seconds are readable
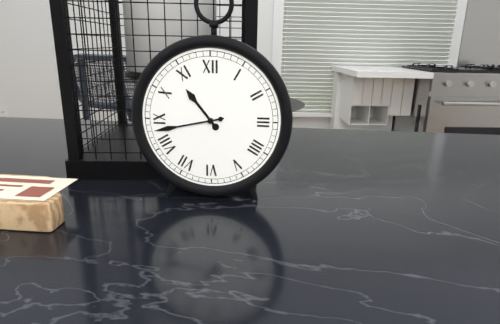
h=10 m=43
